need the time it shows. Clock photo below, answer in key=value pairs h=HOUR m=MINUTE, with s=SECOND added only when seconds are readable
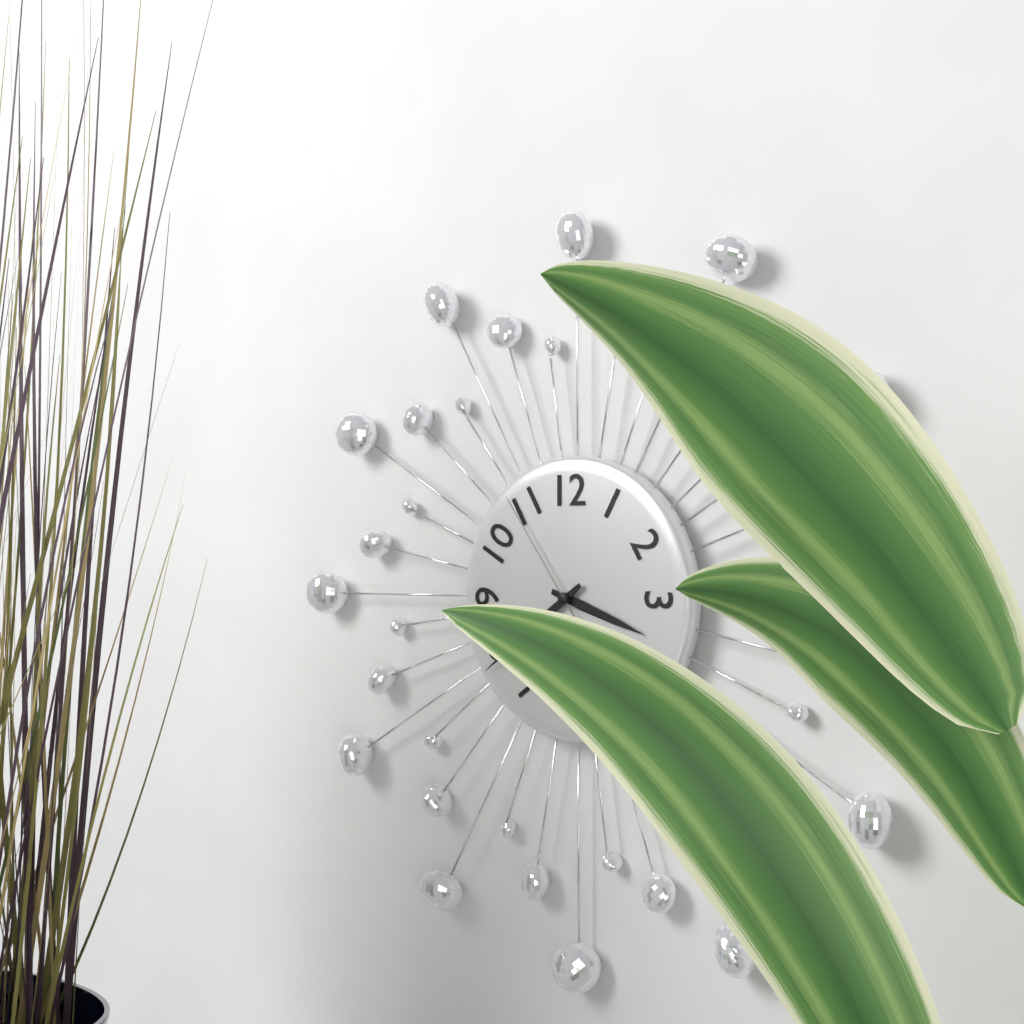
h=3 m=39 s=54
